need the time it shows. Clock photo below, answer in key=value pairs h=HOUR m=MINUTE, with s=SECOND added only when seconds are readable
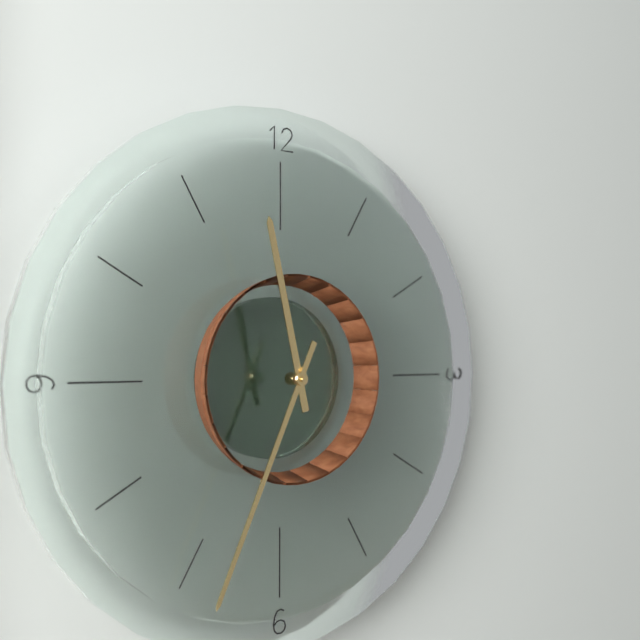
h=11 m=34
